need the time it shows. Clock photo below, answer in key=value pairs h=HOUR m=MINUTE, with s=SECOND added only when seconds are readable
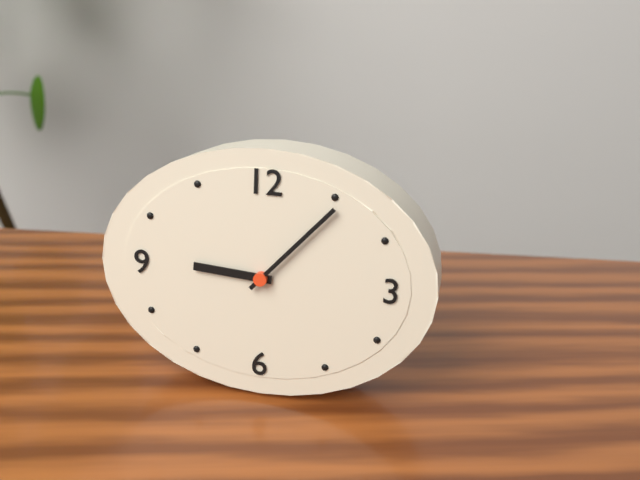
h=9 m=7
